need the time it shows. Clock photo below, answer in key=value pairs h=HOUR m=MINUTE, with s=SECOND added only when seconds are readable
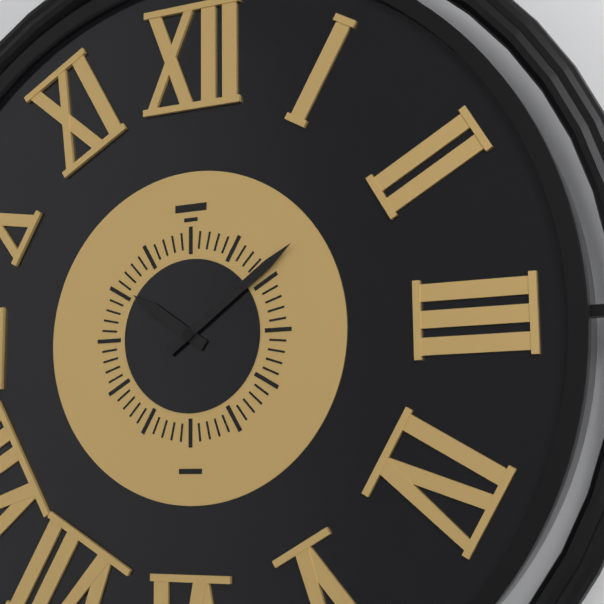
h=10 m=9
